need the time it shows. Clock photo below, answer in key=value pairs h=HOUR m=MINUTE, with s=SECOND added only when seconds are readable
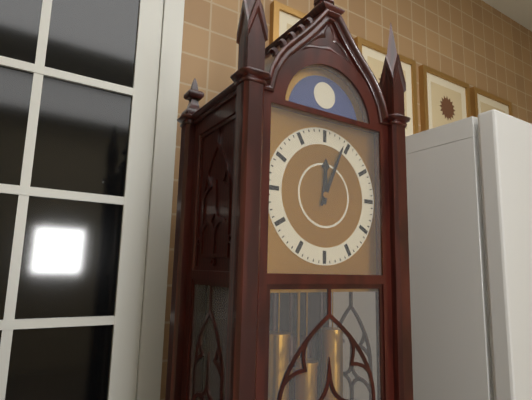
h=12 m=4
